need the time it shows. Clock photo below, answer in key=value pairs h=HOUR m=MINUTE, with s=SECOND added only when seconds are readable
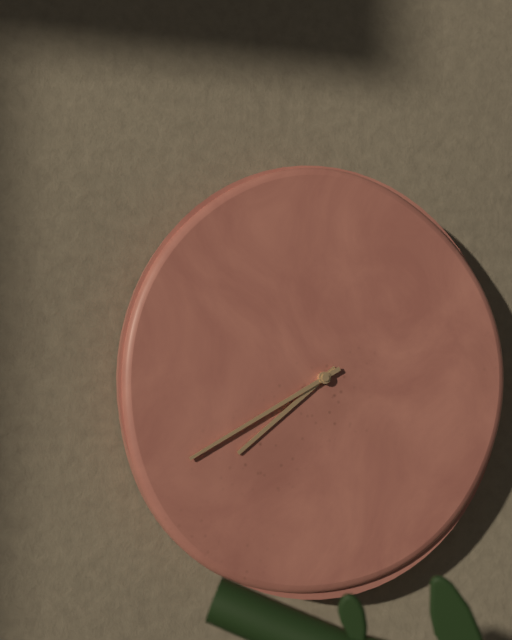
h=7 m=40
